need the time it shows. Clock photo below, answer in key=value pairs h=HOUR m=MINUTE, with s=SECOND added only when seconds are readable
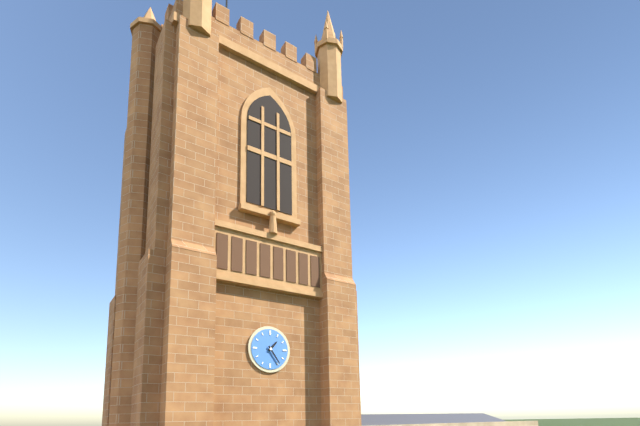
h=1 m=24
